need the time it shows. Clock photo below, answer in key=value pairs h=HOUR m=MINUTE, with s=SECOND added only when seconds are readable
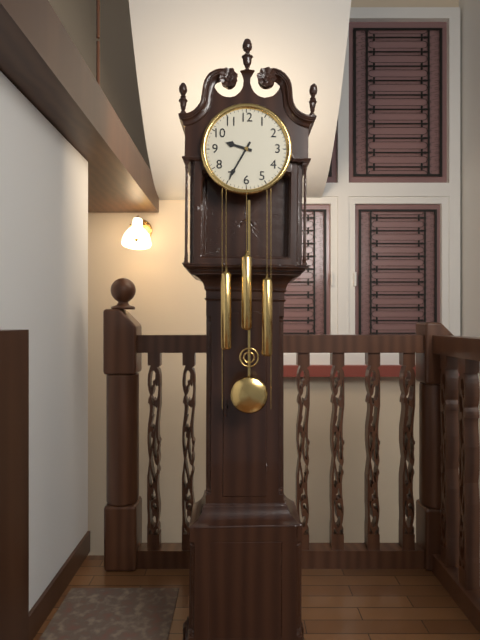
h=9 m=35
